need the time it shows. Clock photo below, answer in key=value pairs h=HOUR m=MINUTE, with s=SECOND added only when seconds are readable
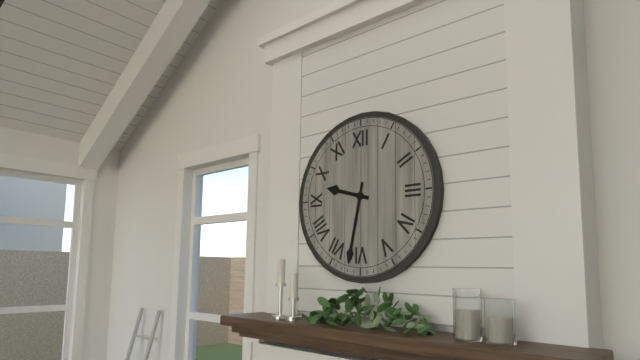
h=9 m=32
